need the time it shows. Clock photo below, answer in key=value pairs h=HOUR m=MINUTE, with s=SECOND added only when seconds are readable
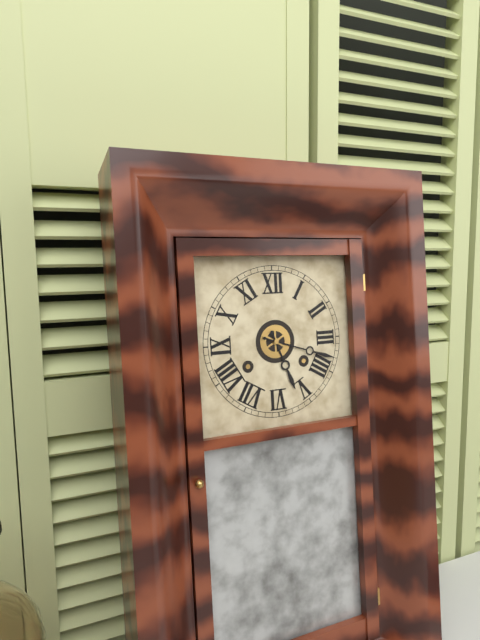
h=5 m=18
